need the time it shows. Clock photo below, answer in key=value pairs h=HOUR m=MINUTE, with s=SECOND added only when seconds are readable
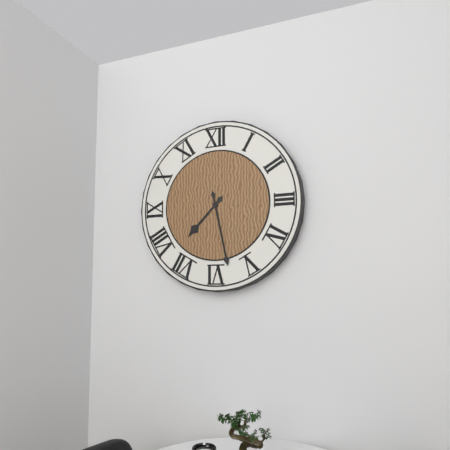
h=7 m=28
